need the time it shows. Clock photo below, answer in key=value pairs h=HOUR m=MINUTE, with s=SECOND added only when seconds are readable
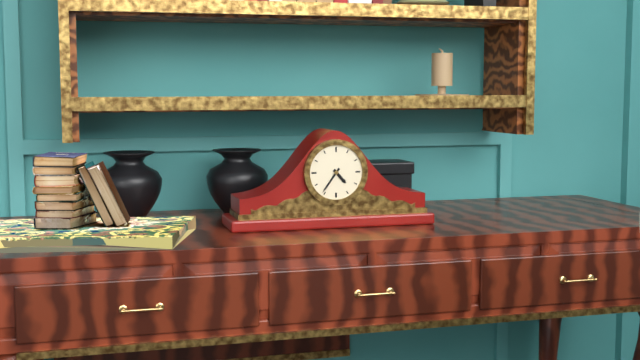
h=4 m=36
